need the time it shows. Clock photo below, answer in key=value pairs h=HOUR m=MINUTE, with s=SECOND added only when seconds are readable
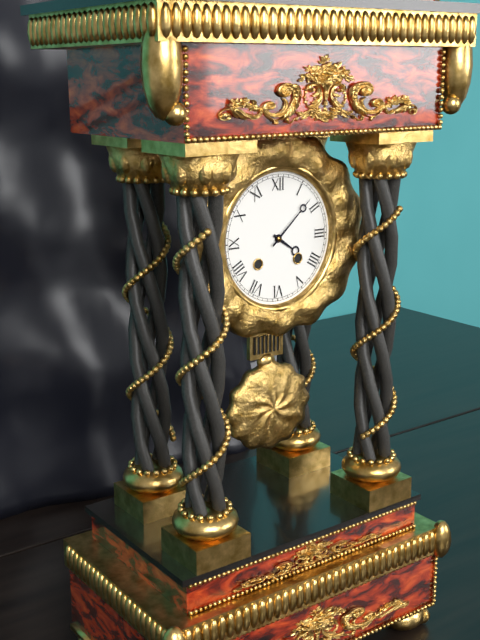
h=4 m=8
